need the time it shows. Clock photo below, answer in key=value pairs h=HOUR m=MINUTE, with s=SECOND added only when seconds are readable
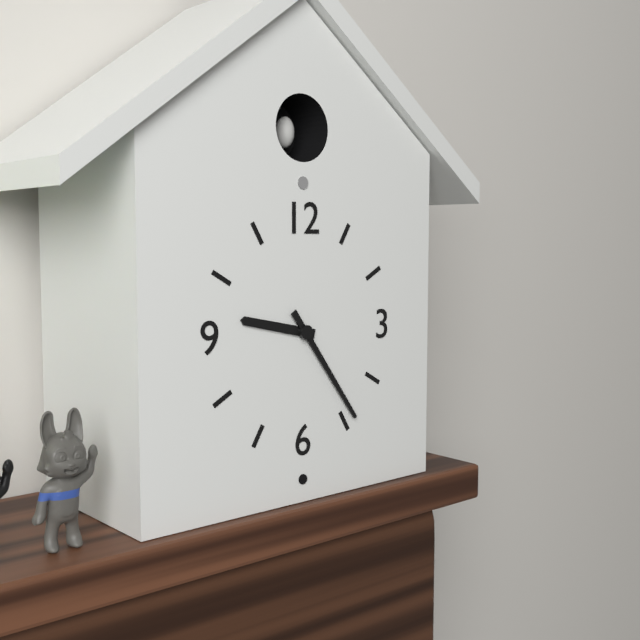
h=9 m=24
